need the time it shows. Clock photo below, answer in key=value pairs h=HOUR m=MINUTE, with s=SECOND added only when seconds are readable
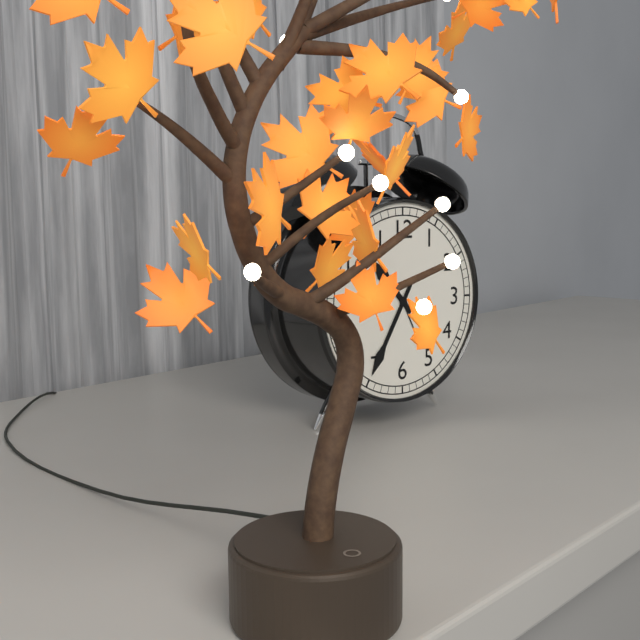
h=10 m=35
